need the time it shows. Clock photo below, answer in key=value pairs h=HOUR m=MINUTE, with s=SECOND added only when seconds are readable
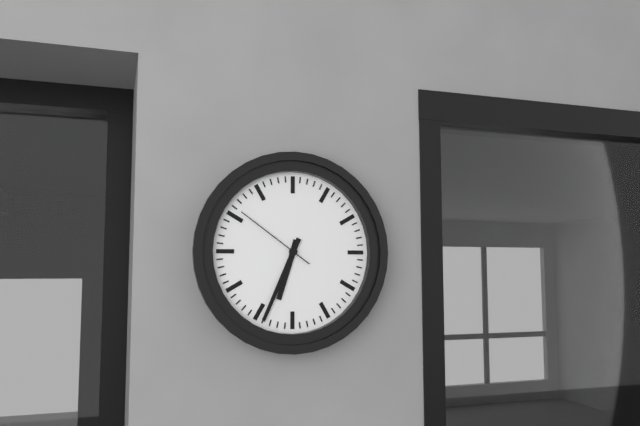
h=6 m=34 s=51
